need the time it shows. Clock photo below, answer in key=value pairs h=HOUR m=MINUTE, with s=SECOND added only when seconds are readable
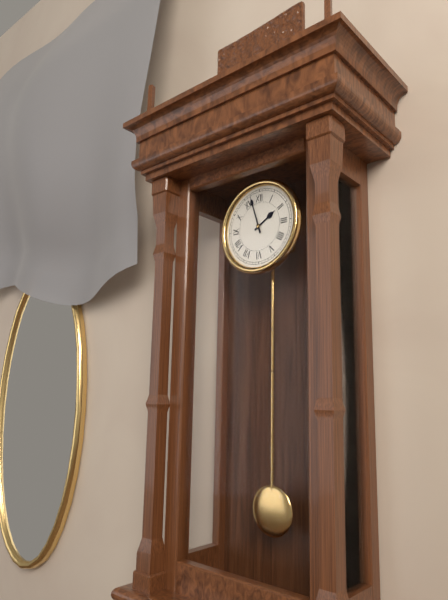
h=1 m=57
